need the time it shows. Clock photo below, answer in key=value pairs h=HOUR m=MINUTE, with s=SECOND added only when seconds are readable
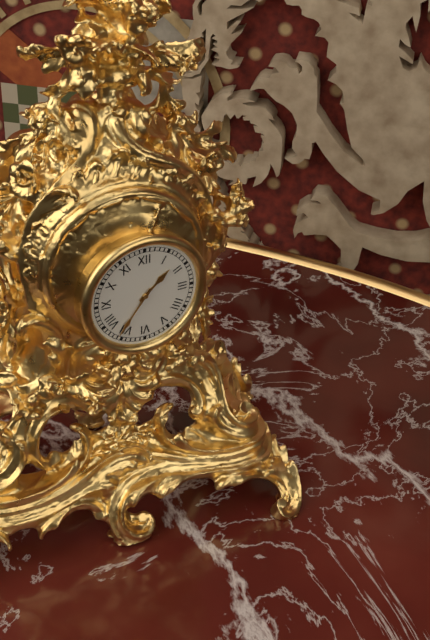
h=1 m=36
